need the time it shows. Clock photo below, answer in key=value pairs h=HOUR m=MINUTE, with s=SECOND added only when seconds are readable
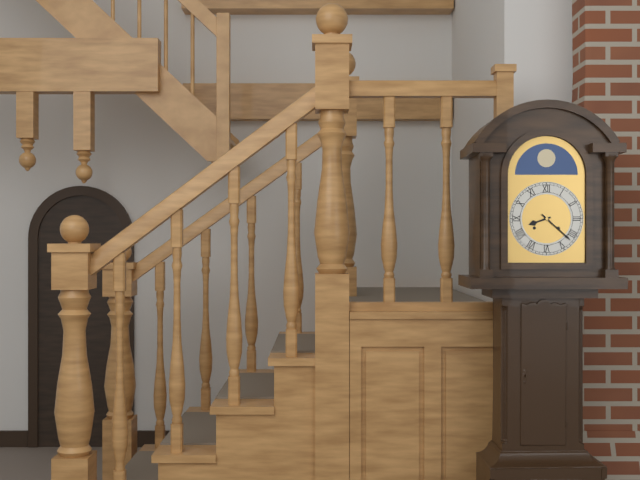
h=8 m=22
